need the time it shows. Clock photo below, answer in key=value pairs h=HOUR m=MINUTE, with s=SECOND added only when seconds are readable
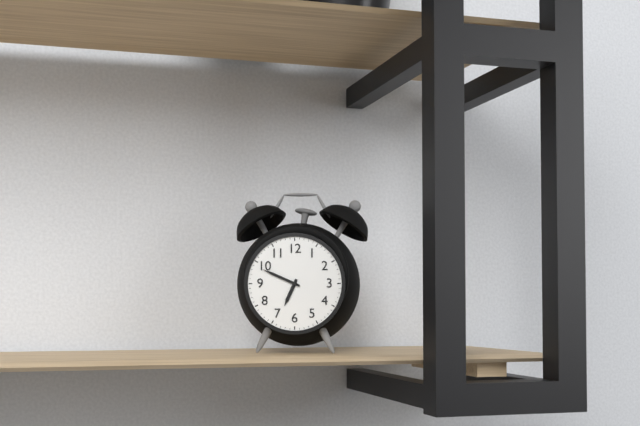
h=6 m=49
